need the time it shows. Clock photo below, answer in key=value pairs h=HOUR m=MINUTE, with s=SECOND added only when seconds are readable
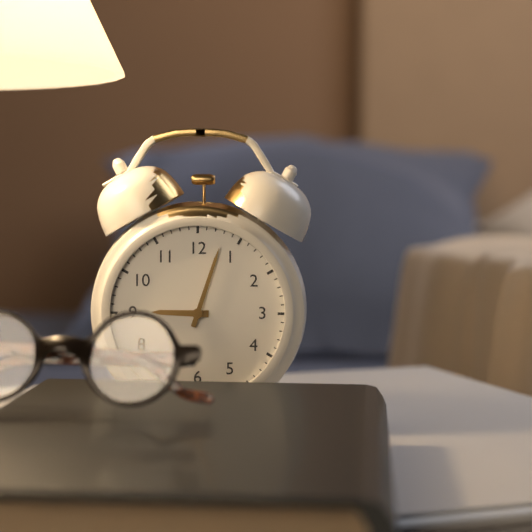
h=9 m=3
